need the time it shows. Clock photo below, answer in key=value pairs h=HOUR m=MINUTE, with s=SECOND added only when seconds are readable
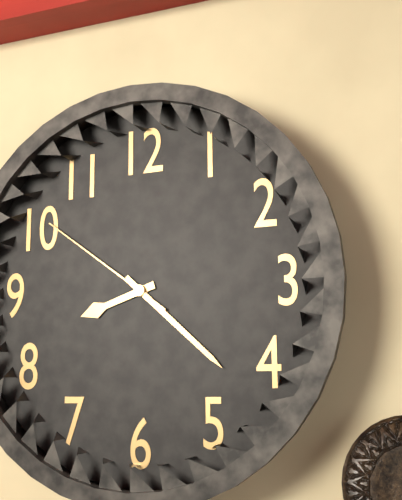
h=8 m=22 s=51
